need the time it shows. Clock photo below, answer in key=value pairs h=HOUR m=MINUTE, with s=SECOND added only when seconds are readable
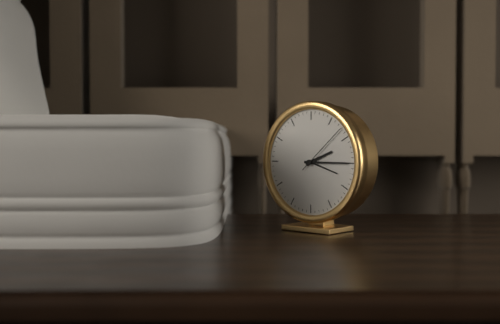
h=2 m=15 s=8
